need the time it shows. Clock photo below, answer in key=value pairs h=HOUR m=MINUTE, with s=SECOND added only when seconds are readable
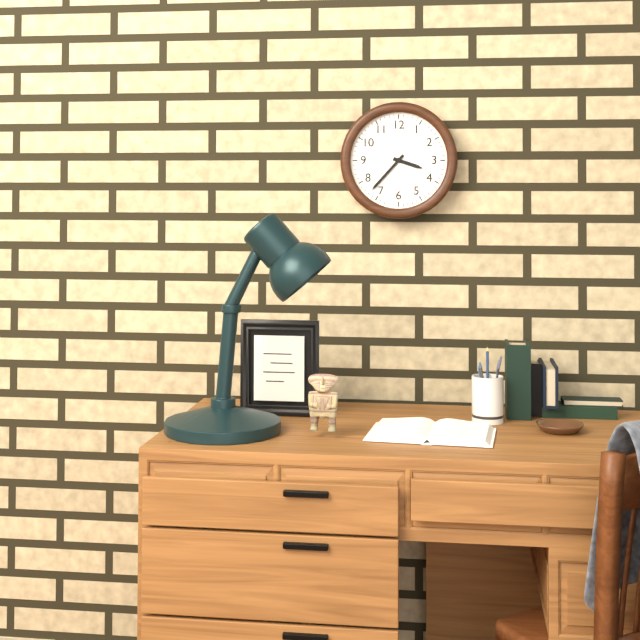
h=3 m=37
